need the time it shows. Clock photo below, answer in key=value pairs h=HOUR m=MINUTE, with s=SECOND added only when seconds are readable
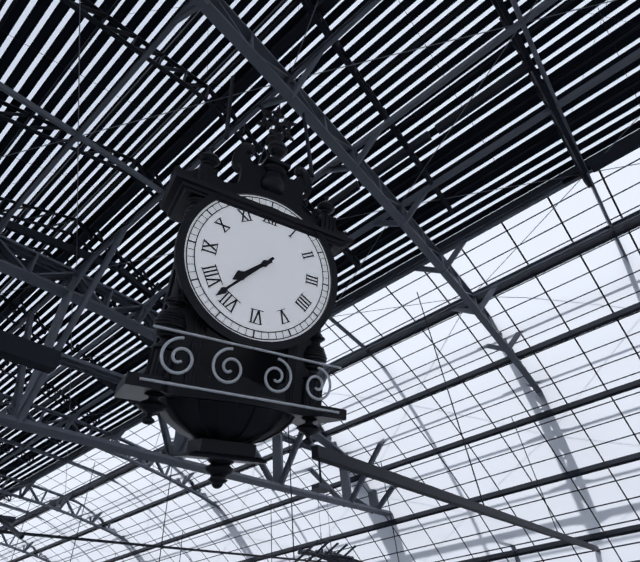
h=7 m=37
